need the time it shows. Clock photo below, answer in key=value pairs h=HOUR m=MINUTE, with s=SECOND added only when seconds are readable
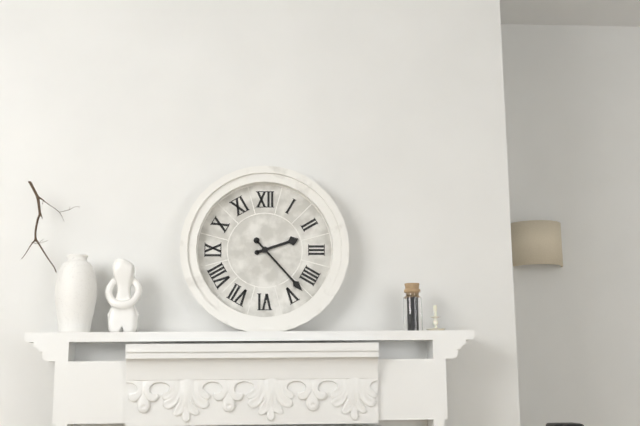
h=2 m=23
